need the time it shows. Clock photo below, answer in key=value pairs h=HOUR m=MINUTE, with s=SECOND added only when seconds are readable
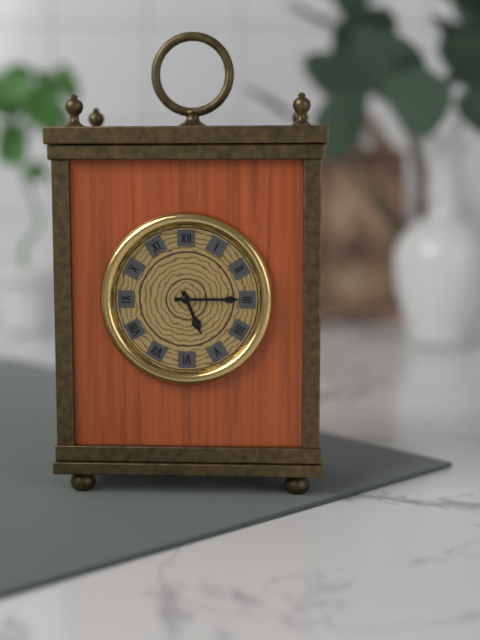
h=5 m=15
